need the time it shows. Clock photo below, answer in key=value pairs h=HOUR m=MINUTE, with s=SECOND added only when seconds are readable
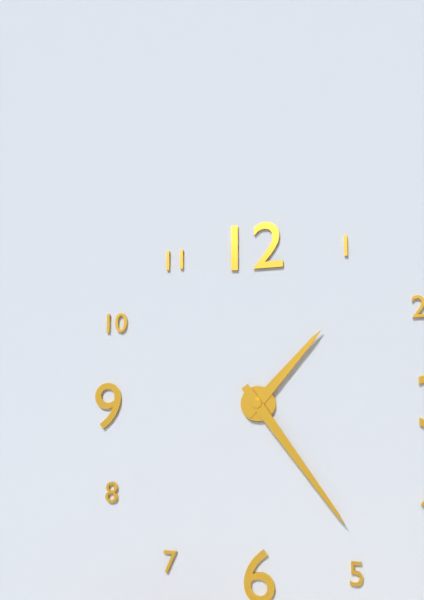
h=1 m=24
